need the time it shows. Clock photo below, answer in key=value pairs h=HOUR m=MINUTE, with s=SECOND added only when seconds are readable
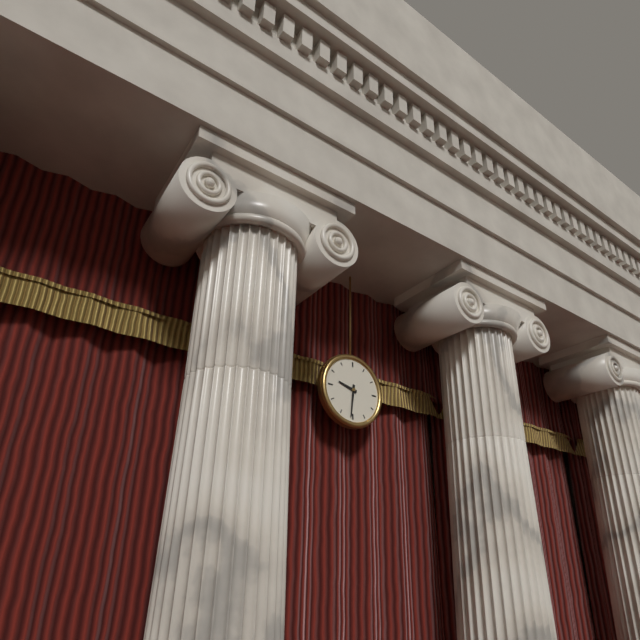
h=9 m=31
